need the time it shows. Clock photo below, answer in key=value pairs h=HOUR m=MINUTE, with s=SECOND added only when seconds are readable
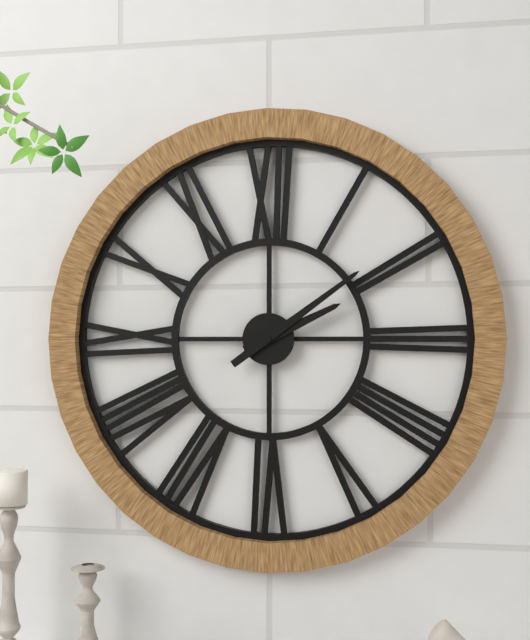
h=2 m=9
